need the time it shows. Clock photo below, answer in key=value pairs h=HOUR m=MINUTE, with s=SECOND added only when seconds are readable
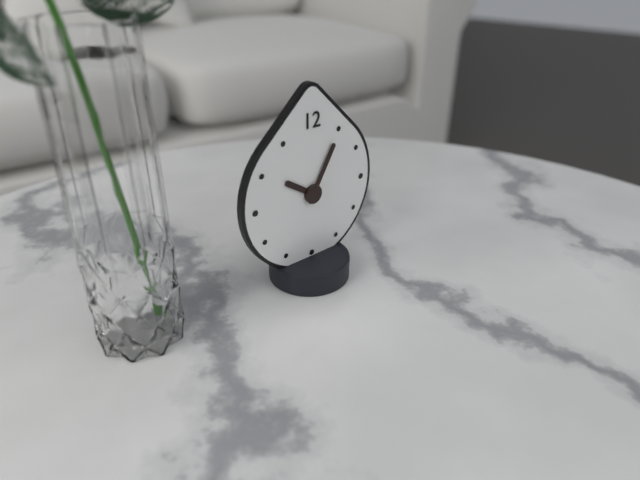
h=10 m=5
